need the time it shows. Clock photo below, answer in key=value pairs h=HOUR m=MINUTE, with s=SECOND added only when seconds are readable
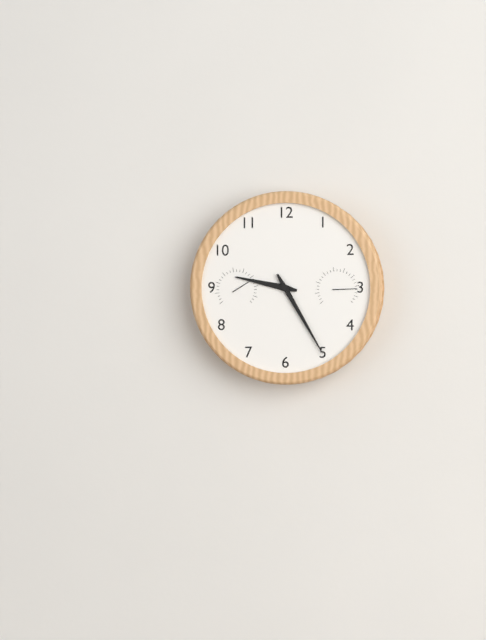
h=9 m=25
